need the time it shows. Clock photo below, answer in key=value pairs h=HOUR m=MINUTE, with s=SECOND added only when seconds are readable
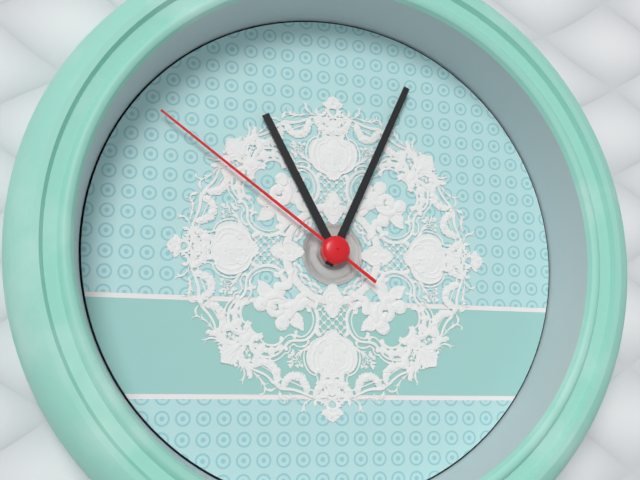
h=11 m=4 s=51
